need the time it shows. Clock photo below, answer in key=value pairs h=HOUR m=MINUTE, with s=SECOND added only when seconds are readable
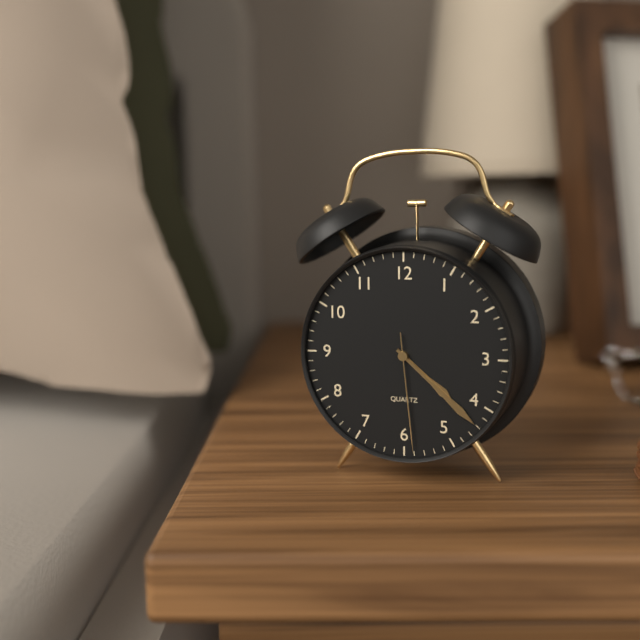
h=4 m=22 s=29
